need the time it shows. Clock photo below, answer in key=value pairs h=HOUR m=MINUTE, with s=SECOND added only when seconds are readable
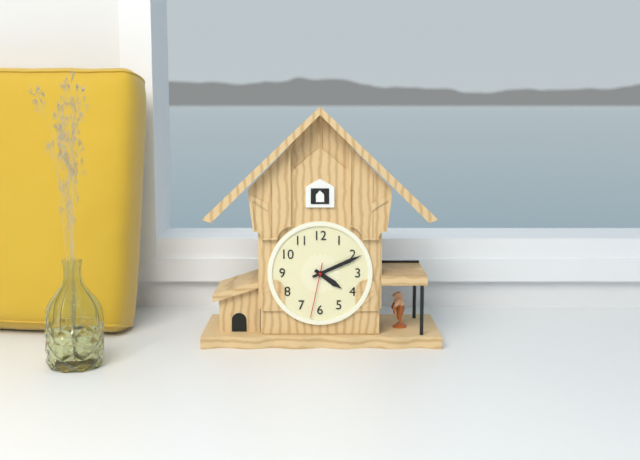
h=4 m=11 s=32
